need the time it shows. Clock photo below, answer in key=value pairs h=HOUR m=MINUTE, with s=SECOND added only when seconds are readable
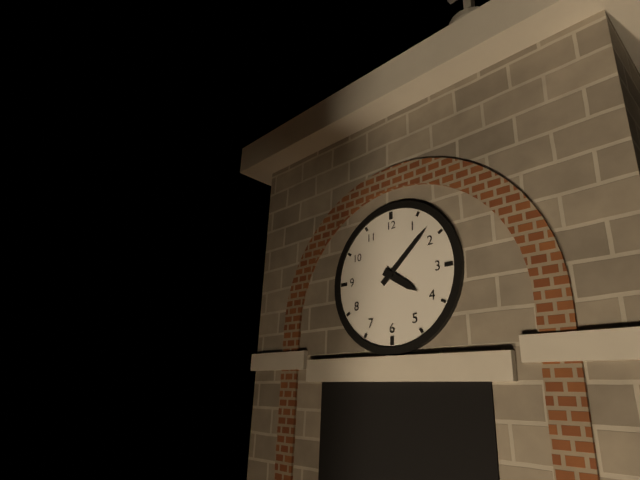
h=4 m=8
